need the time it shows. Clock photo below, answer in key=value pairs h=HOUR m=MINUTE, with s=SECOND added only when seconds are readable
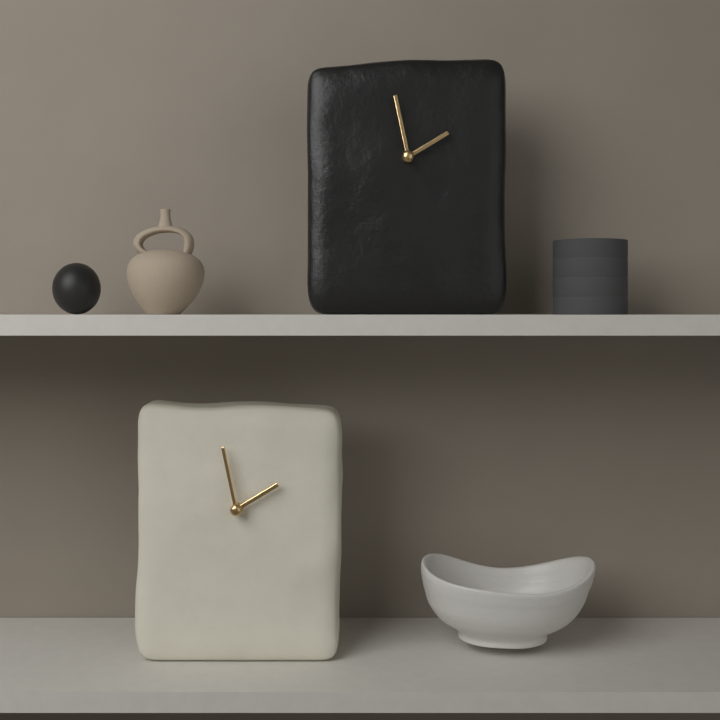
h=1 m=58
